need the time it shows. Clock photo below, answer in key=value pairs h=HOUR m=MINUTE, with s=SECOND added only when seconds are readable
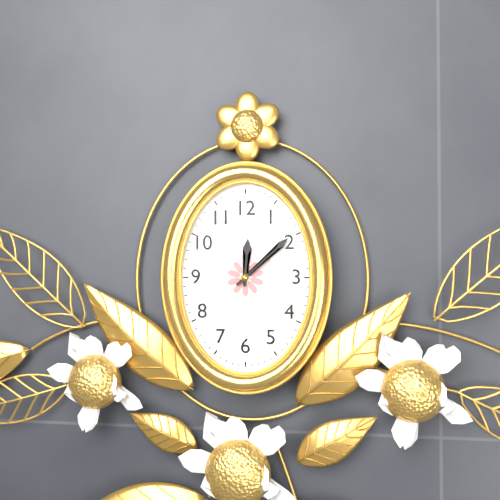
h=12 m=8
